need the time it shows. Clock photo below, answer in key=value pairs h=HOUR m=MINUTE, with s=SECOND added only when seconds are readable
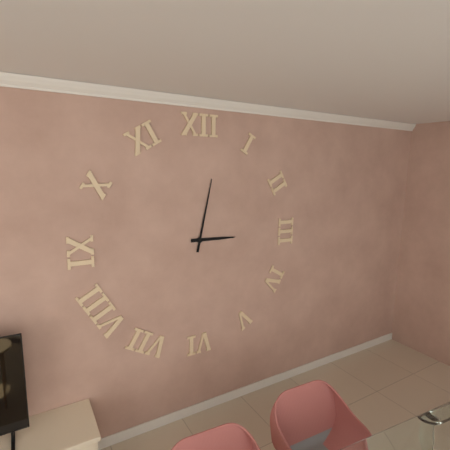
h=3 m=2
